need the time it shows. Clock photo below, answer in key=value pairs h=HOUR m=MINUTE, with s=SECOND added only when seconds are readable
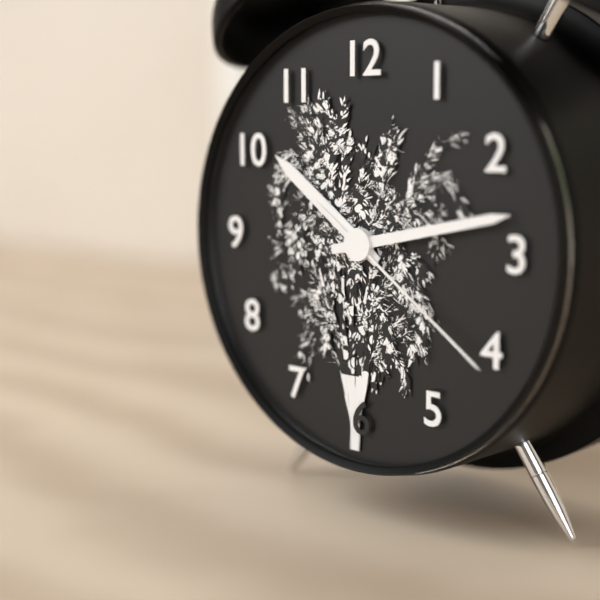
h=10 m=13 s=21
